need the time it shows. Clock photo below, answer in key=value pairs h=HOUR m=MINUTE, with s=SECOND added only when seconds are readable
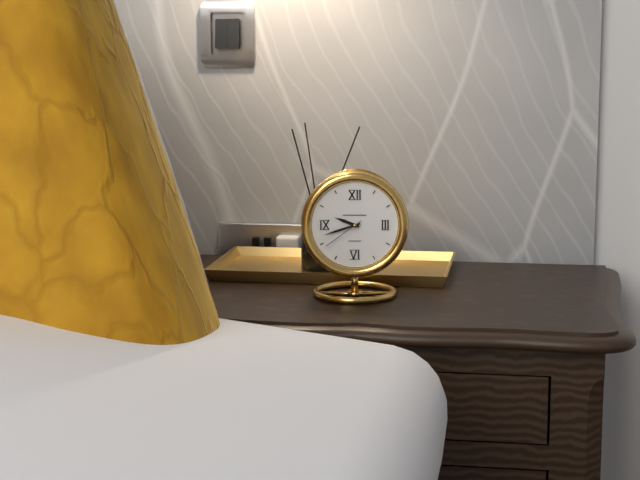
h=9 m=42
